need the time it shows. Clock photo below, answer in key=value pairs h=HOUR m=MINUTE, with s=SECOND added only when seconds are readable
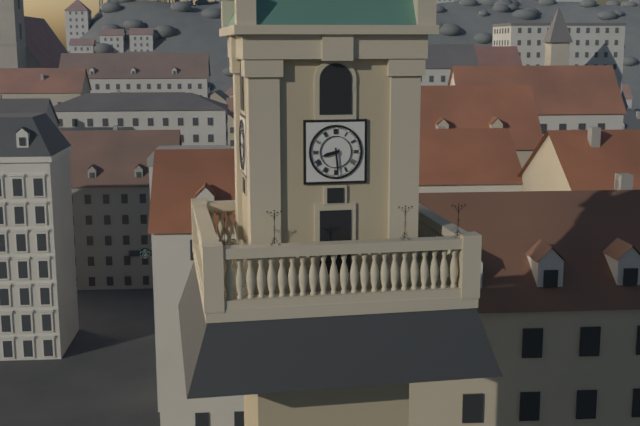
h=8 m=29
